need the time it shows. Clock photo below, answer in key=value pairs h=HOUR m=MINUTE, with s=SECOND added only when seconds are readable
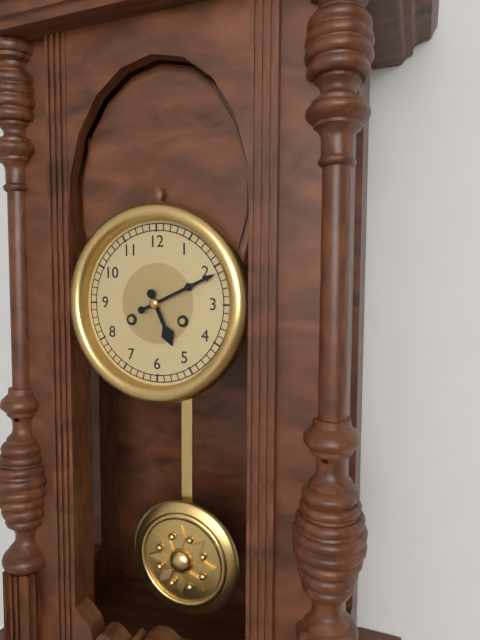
h=5 m=11
